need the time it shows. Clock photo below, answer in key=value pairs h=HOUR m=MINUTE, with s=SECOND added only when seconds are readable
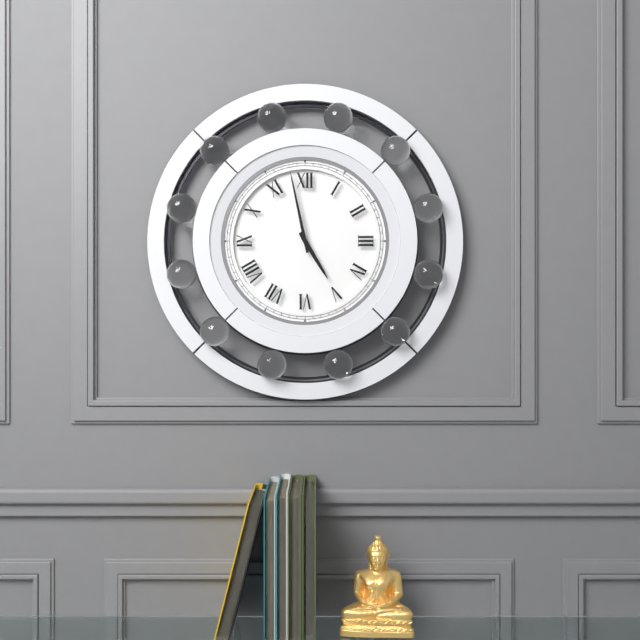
h=4 m=58
